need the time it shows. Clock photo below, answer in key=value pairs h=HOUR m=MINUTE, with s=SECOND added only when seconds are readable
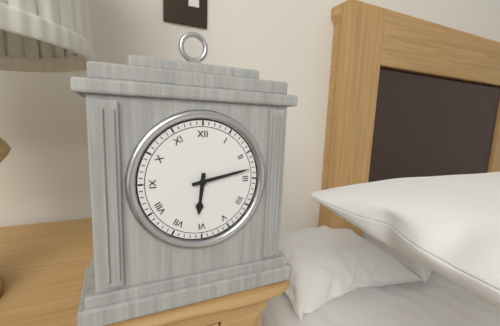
h=6 m=13
